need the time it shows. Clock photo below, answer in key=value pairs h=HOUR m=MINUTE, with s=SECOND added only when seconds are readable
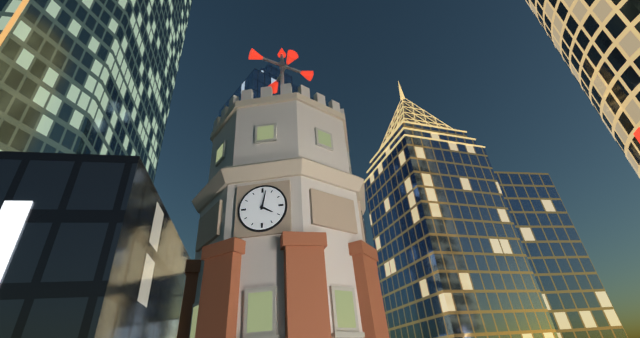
h=4 m=2
